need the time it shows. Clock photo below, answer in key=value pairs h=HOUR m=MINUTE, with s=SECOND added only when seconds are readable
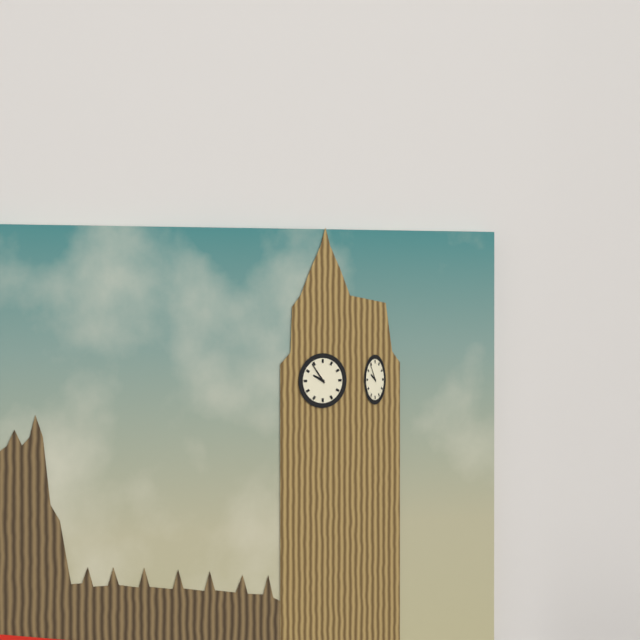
h=9 m=54
